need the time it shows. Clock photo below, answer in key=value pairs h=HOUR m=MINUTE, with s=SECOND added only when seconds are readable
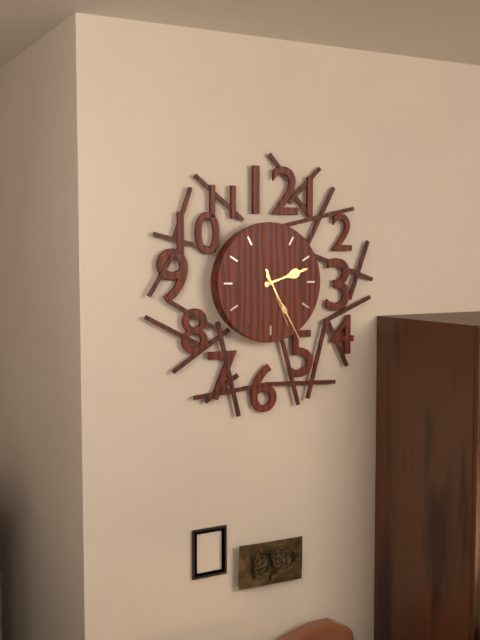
h=2 m=25 s=26
